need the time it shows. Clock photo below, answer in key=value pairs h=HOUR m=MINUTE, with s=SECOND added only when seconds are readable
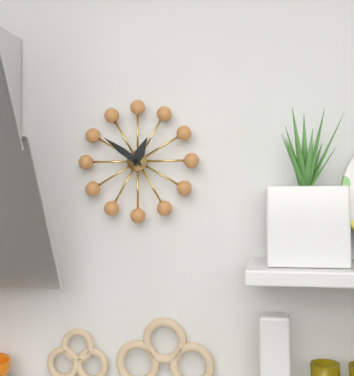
h=12 m=51
